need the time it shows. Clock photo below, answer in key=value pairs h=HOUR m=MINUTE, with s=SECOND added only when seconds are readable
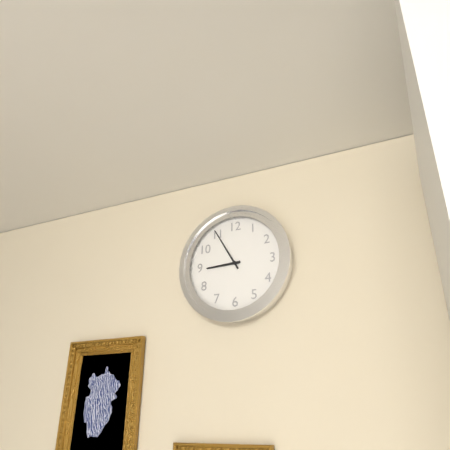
h=8 m=55
